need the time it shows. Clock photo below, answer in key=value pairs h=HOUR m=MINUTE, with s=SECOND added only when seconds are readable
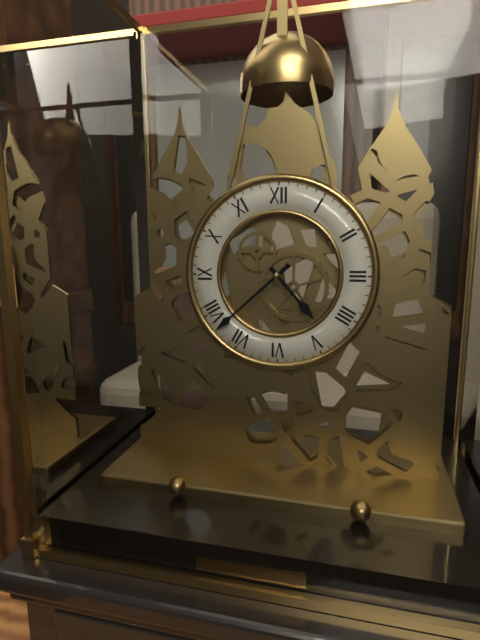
h=4 m=38
